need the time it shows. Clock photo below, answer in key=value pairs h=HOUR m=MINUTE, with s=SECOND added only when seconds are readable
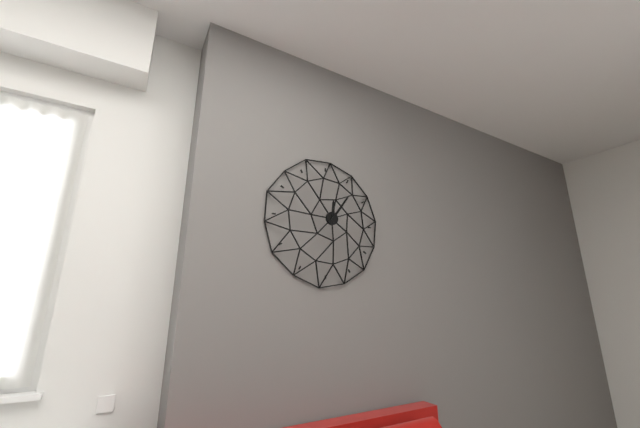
h=12 m=6
